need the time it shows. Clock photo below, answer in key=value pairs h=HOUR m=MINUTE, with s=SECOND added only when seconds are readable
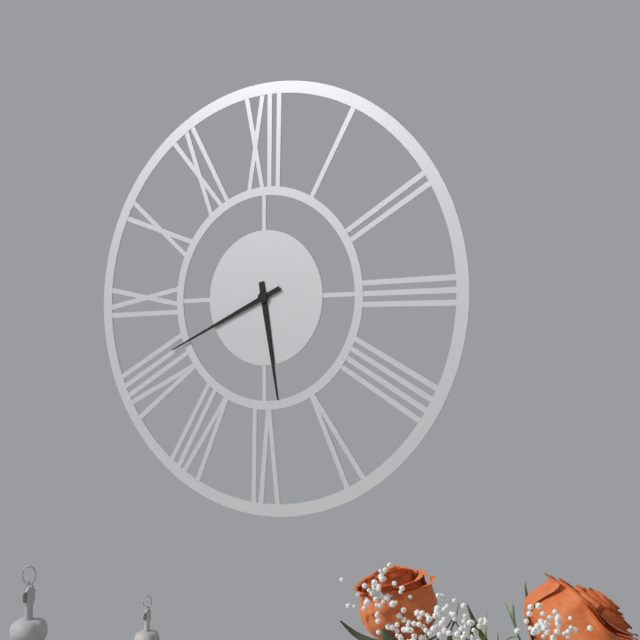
h=5 m=41
